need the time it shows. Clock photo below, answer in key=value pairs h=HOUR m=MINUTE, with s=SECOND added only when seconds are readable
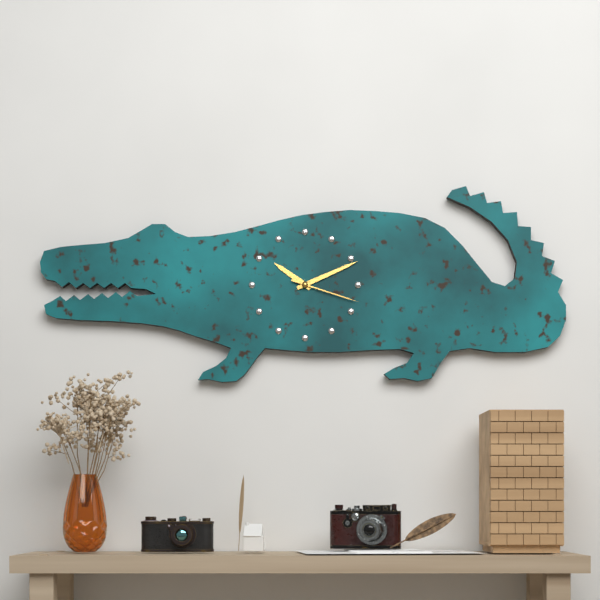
h=10 m=11 s=18
